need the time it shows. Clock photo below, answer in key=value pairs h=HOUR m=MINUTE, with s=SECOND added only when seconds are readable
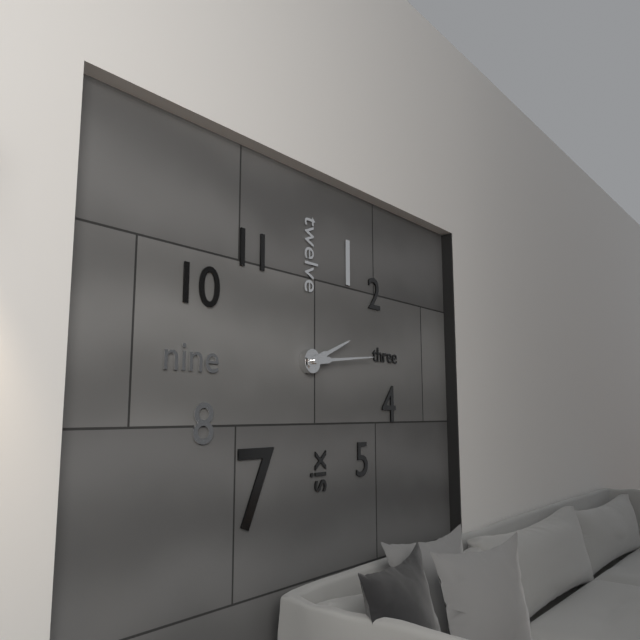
h=2 m=14
